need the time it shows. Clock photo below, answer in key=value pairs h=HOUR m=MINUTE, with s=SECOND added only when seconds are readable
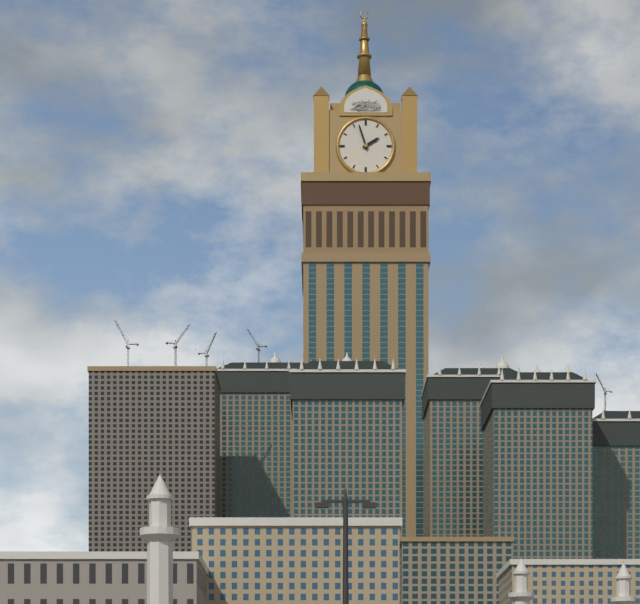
h=1 m=57
